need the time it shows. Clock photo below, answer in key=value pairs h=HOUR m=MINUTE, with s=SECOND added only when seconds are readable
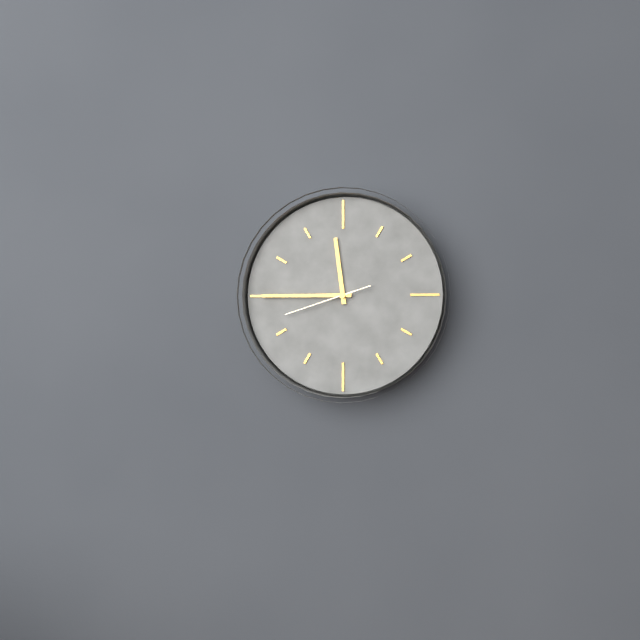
h=11 m=45 s=42
